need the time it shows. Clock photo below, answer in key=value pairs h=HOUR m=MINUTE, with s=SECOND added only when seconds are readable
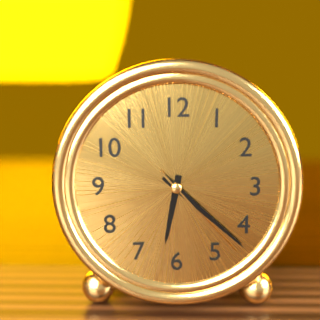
h=6 m=22 s=23
